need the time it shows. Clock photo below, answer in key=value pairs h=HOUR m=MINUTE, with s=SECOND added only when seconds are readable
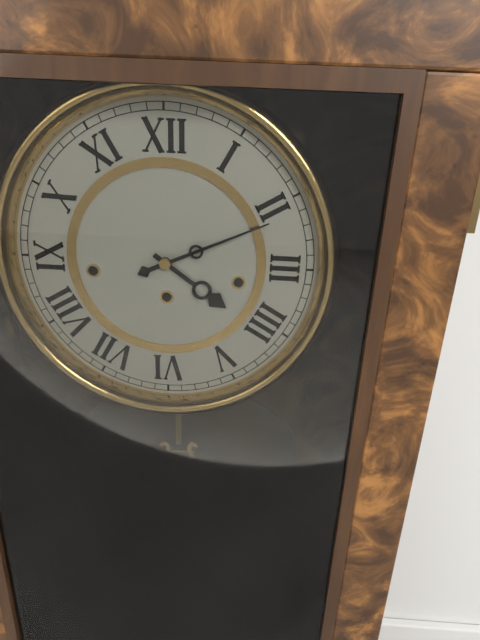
h=4 m=11
